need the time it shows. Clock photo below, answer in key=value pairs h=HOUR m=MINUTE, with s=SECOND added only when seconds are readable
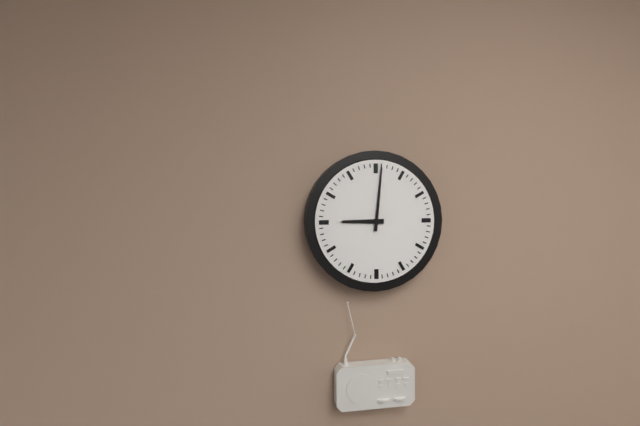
h=9 m=1
